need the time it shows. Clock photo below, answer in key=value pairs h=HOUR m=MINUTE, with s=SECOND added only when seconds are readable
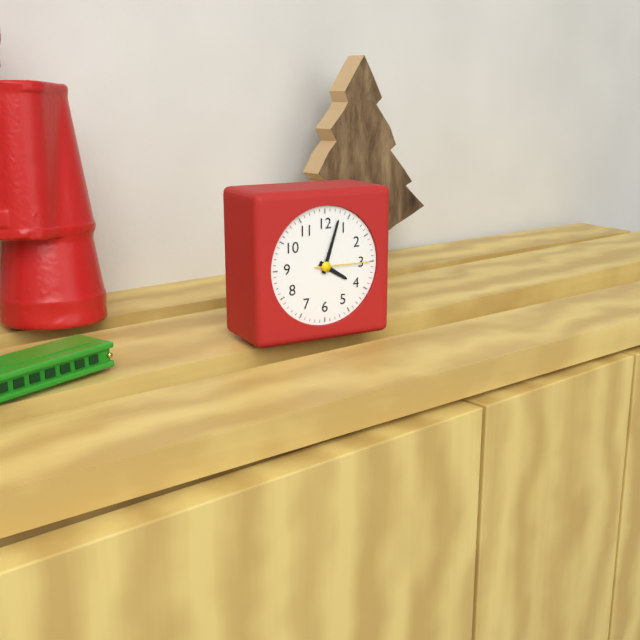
h=4 m=3 s=15
